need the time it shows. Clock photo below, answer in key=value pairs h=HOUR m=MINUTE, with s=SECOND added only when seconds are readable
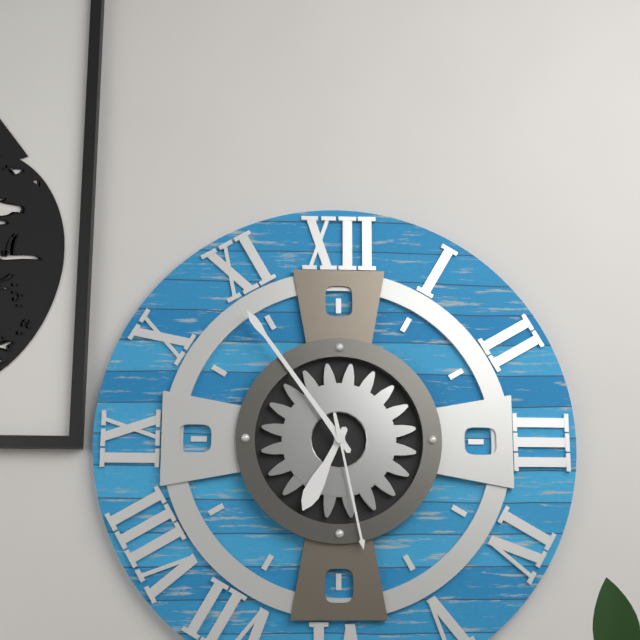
h=6 m=54 s=28
